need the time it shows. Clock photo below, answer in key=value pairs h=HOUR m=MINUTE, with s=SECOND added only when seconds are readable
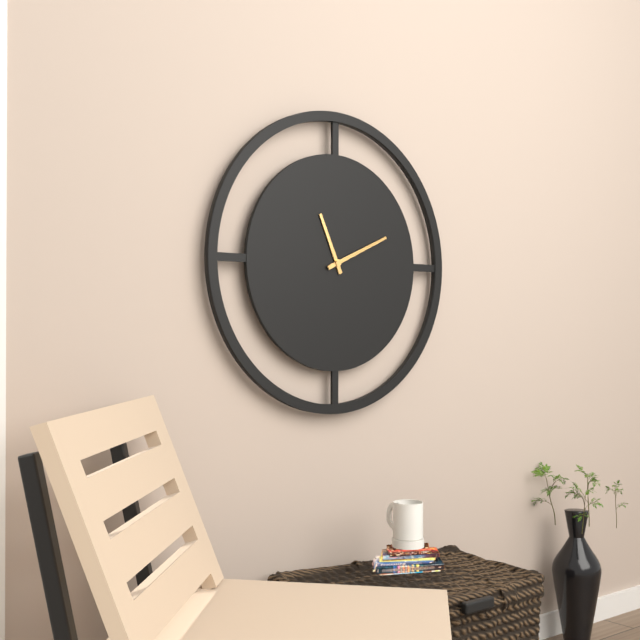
h=11 m=11
